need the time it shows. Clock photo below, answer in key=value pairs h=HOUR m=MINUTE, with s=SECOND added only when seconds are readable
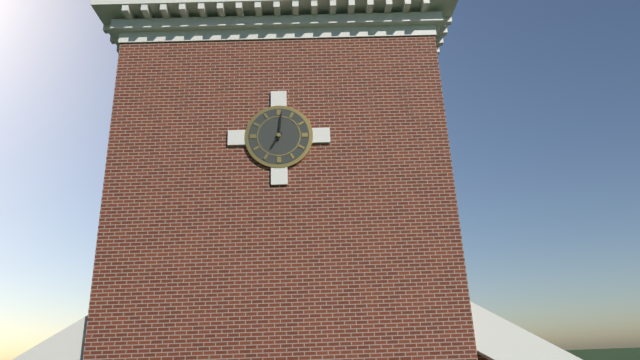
h=7 m=1
